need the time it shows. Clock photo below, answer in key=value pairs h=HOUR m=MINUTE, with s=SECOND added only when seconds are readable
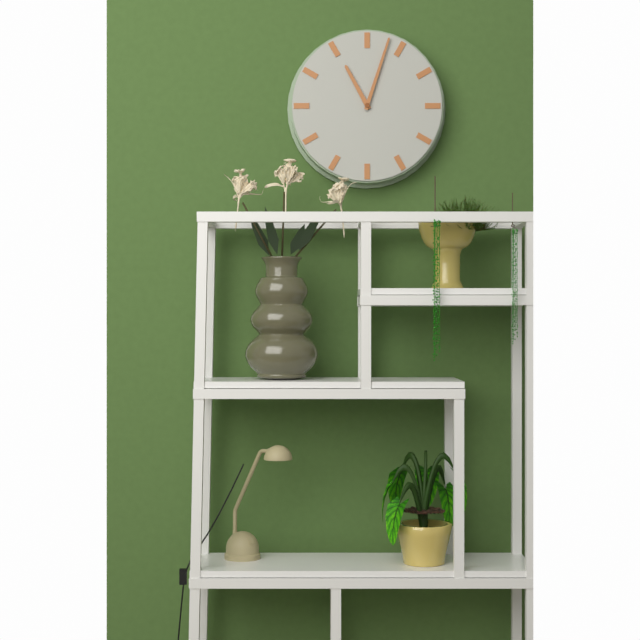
h=11 m=3
